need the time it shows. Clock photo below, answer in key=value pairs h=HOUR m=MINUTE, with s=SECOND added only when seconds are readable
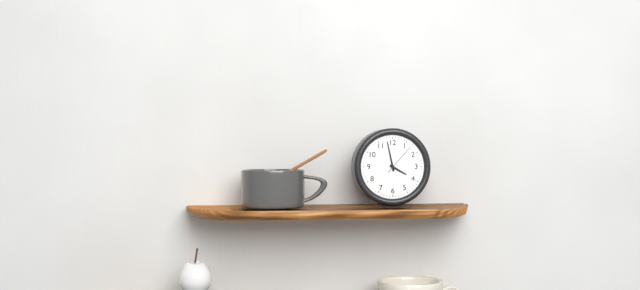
h=3 m=58
